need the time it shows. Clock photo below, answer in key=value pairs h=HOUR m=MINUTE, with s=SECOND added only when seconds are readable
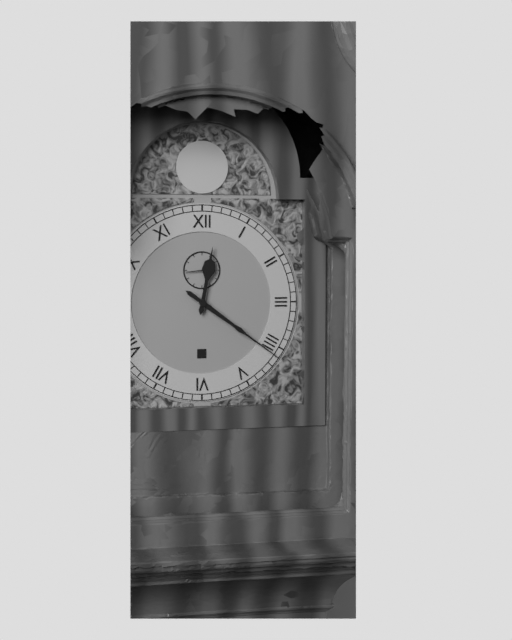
h=12 m=21
